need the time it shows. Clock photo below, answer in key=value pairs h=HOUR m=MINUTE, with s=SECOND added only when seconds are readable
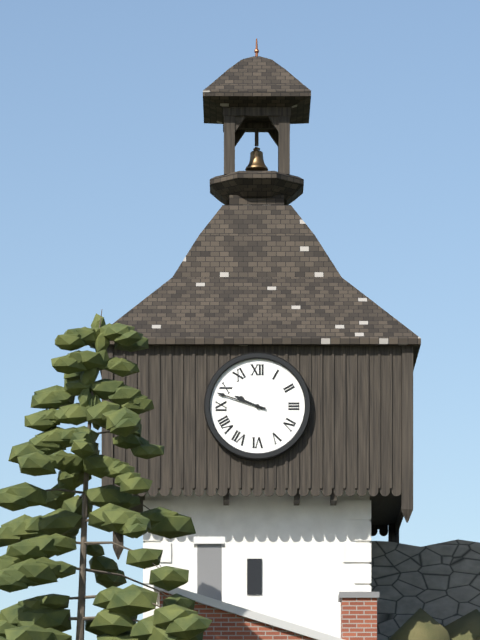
h=9 m=48
